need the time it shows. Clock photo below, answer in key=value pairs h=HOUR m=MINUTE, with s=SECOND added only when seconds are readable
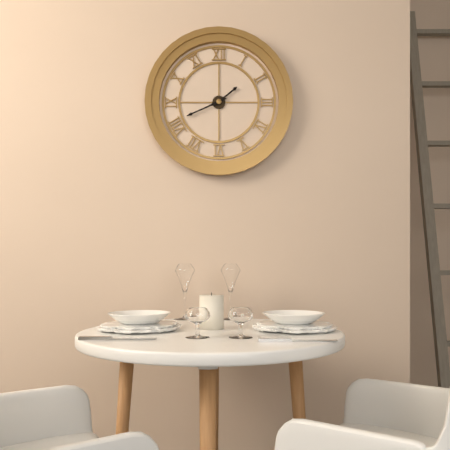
h=1 m=41
